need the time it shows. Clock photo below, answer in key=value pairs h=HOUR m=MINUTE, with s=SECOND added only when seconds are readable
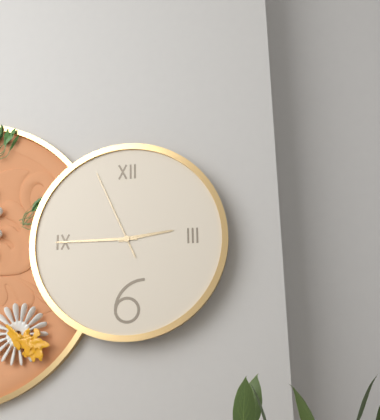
h=2 m=45 s=56
